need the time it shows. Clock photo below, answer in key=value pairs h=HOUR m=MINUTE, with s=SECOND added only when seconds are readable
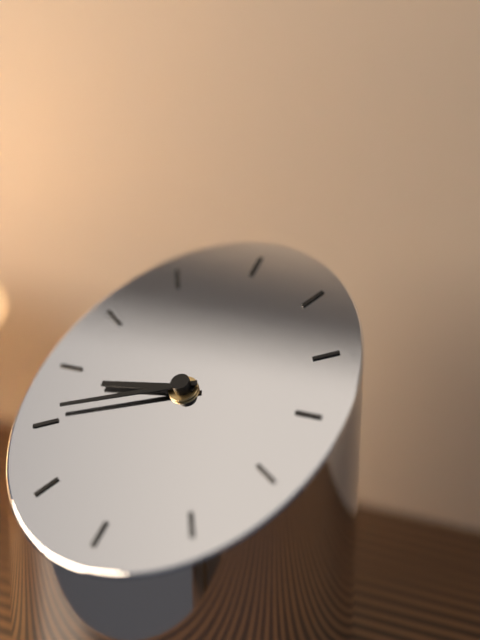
h=8 m=41
